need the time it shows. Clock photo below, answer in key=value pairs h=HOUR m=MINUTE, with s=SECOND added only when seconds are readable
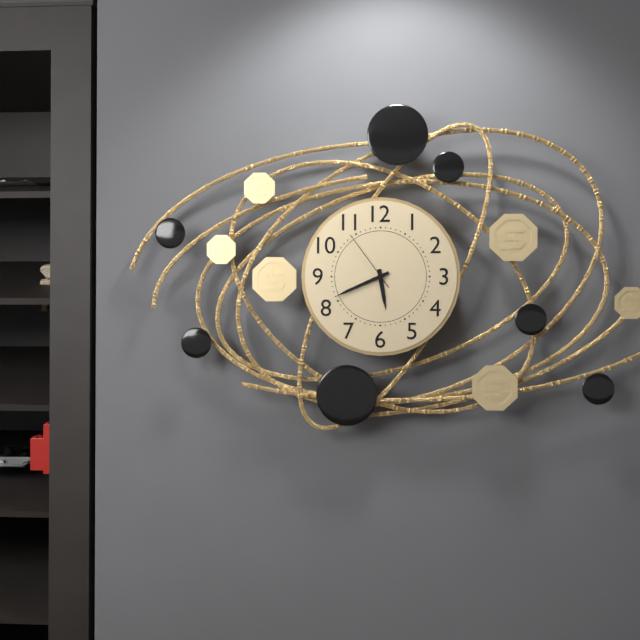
h=5 m=41 s=54
